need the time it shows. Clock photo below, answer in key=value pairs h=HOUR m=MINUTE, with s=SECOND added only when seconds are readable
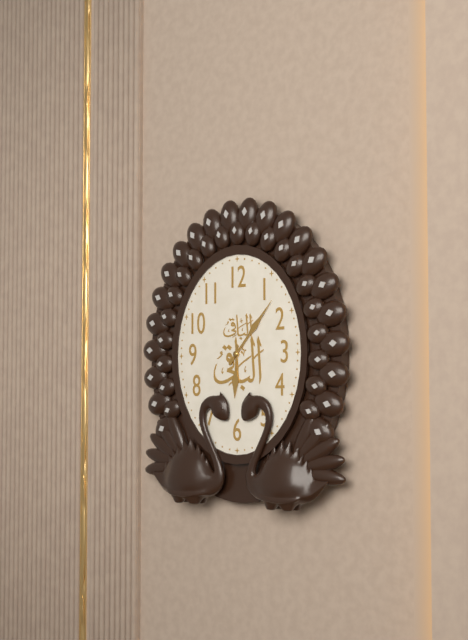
h=6 m=7
